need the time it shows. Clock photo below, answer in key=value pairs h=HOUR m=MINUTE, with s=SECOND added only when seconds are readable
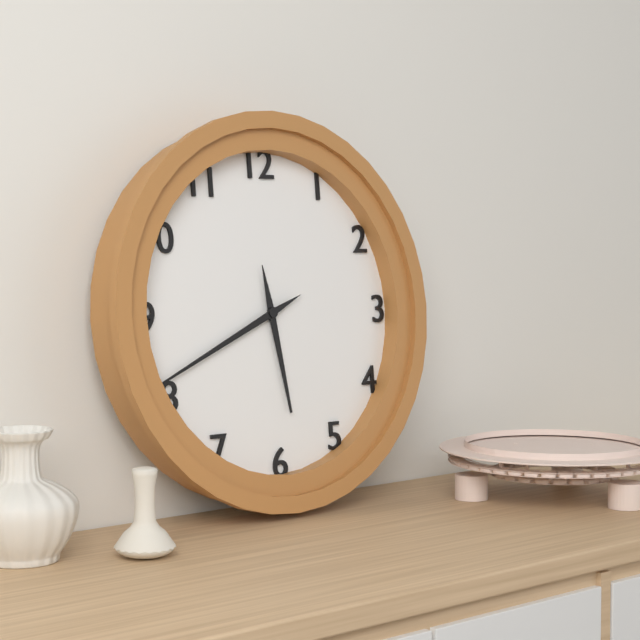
h=5 m=41
